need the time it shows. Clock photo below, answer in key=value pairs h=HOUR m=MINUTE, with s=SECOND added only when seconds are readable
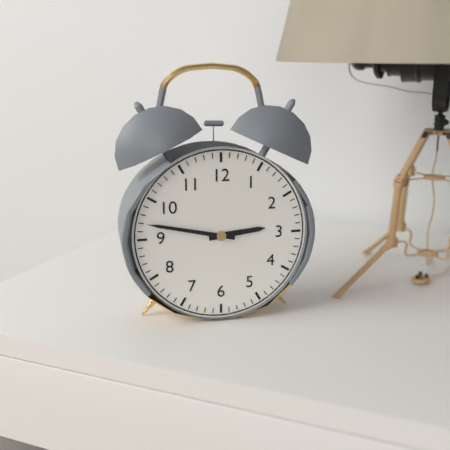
h=2 m=47
